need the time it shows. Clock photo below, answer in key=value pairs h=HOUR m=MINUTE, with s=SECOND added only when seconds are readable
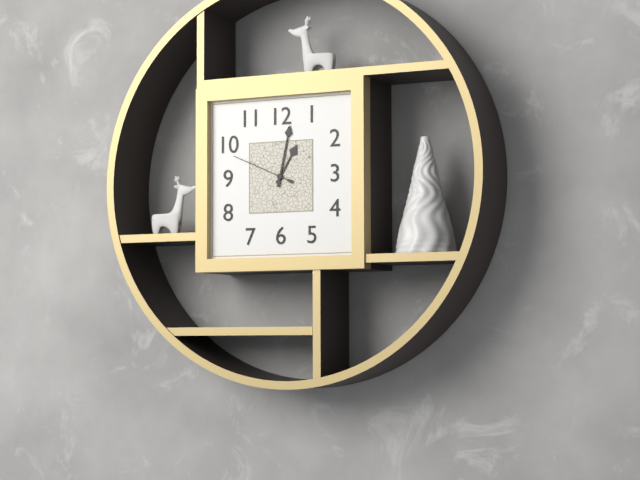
h=1 m=2 s=49
